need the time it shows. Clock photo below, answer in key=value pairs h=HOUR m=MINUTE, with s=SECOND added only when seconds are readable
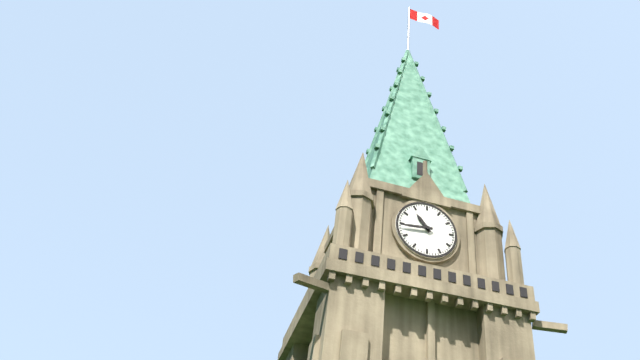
h=10 m=44
